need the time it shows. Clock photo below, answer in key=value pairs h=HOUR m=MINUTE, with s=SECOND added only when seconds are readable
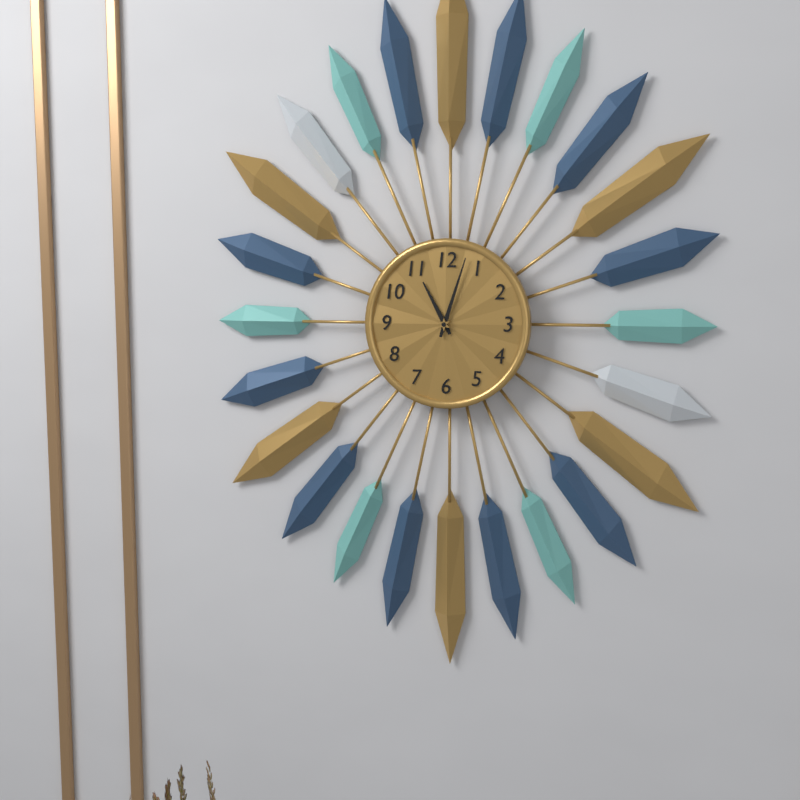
h=11 m=3
